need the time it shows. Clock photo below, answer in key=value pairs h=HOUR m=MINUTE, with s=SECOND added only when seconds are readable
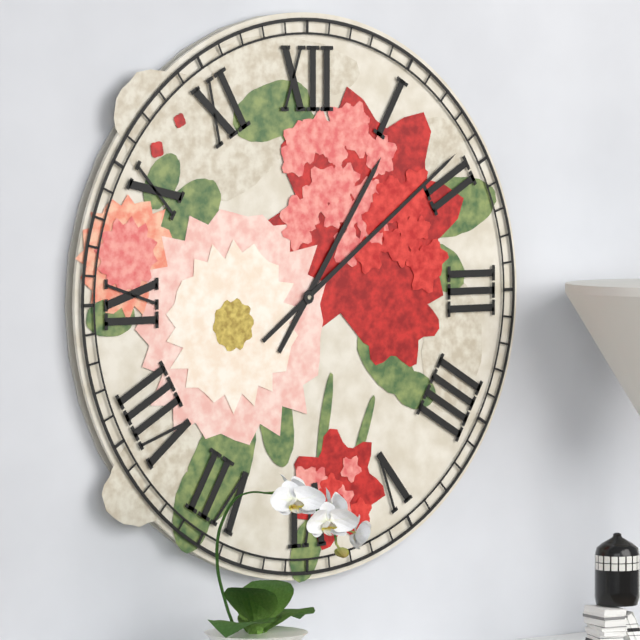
h=1 m=9
